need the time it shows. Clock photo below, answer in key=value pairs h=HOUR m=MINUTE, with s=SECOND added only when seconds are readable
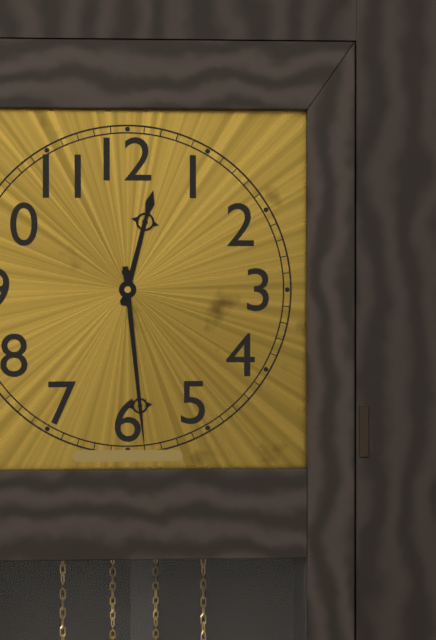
h=12 m=29
